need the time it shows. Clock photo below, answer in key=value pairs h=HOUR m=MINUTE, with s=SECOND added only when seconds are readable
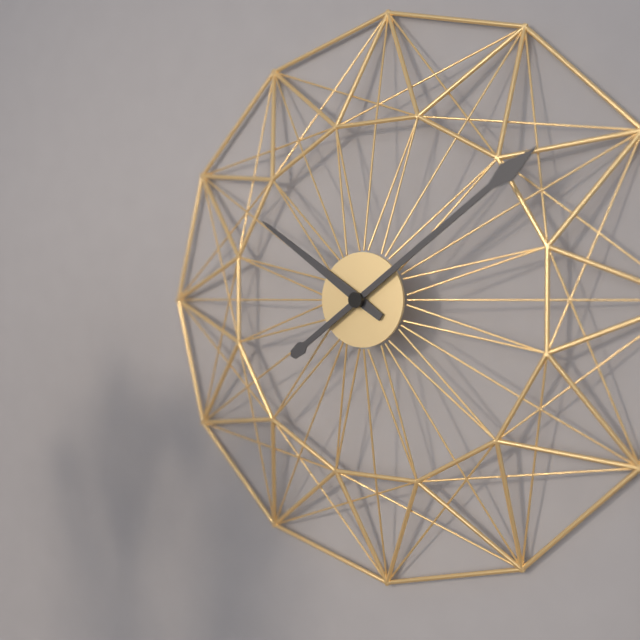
h=10 m=9
